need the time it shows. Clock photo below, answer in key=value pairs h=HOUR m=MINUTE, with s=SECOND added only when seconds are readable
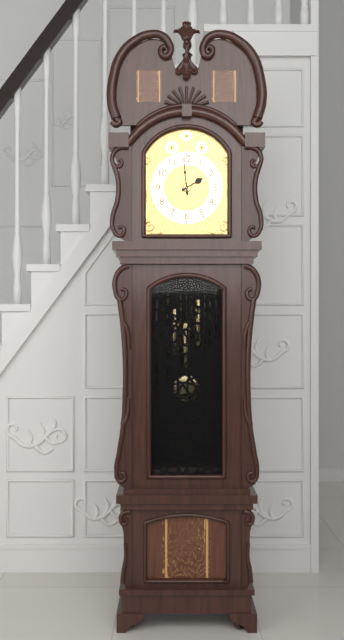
h=1 m=59
